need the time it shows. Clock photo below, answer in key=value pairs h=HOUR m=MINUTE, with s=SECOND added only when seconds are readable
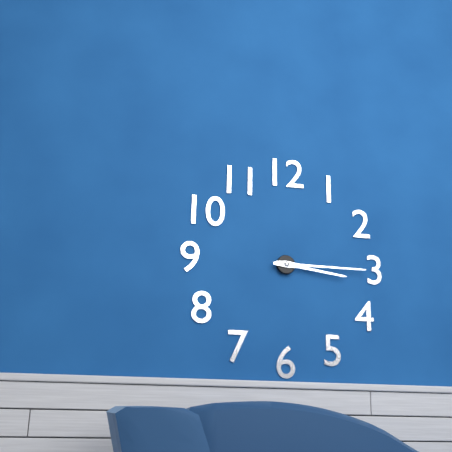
h=3 m=15
